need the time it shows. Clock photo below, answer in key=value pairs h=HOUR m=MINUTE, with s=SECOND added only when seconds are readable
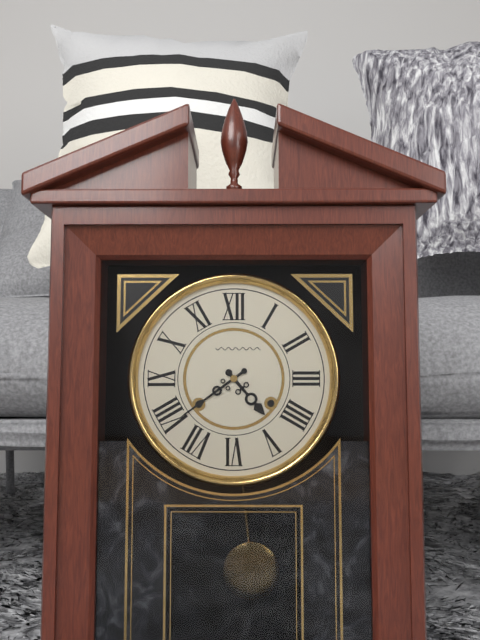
h=4 m=39
